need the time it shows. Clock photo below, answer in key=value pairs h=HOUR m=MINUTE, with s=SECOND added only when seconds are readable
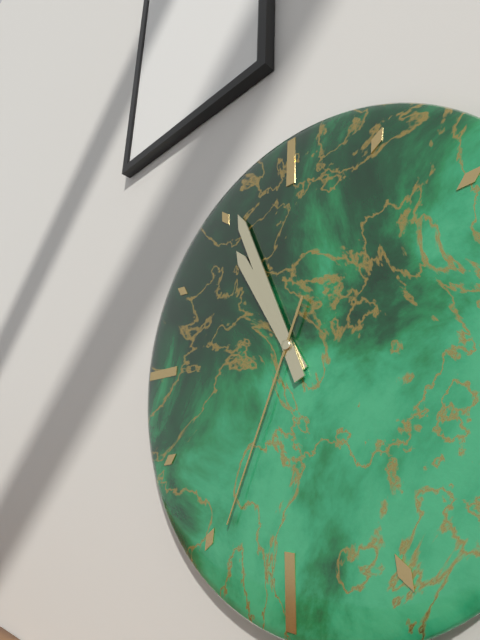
h=10 m=56 s=34
